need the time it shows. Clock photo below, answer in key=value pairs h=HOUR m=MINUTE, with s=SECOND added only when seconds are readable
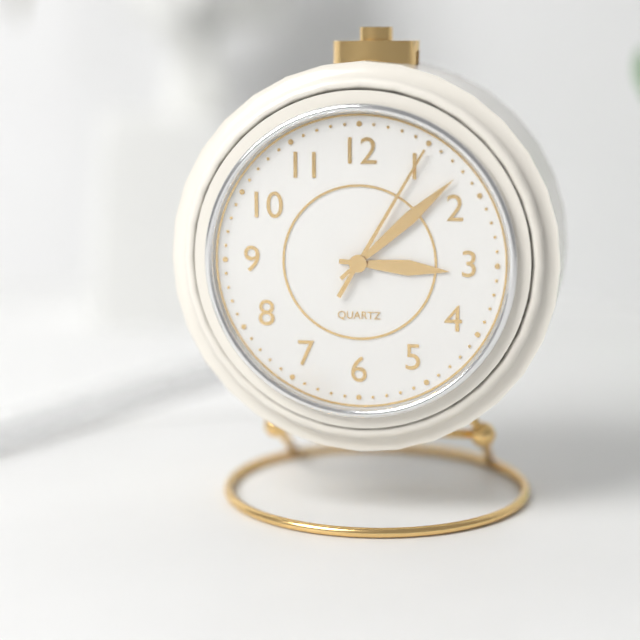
h=3 m=8 s=5
